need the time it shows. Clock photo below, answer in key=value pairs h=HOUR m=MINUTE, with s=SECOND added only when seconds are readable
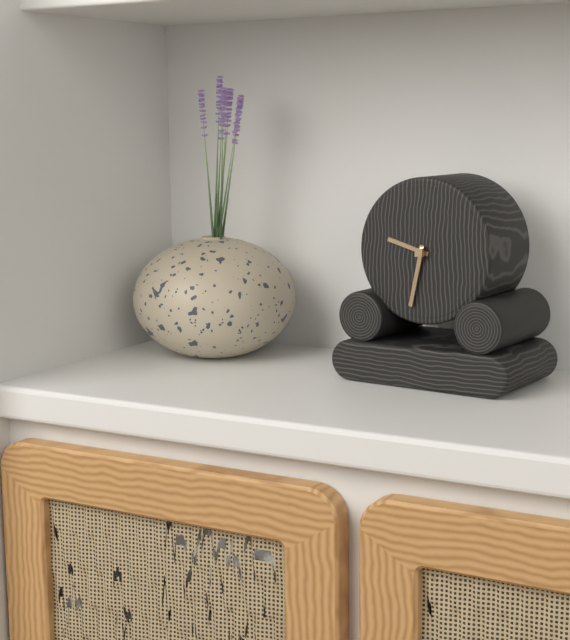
h=9 m=32
